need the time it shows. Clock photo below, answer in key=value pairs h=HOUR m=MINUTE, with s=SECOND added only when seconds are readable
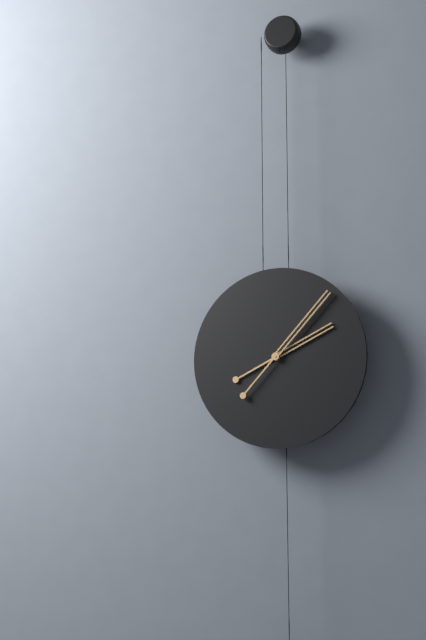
h=2 m=7
